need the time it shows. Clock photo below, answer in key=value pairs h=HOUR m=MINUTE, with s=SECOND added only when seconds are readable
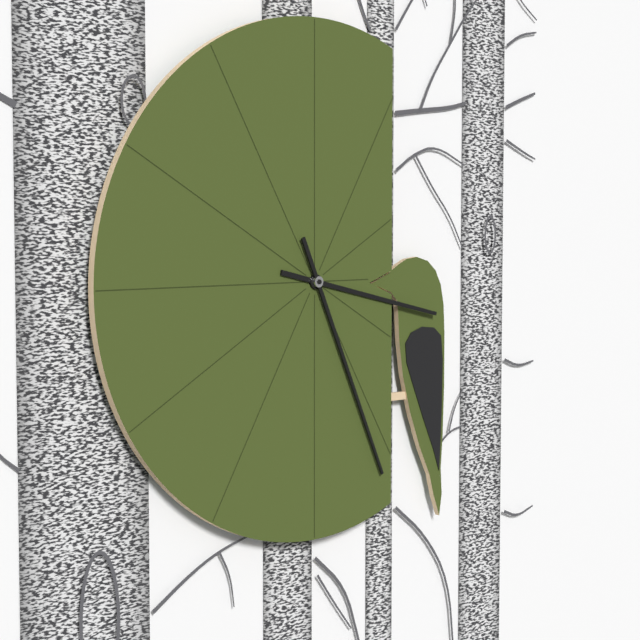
h=3 m=26
